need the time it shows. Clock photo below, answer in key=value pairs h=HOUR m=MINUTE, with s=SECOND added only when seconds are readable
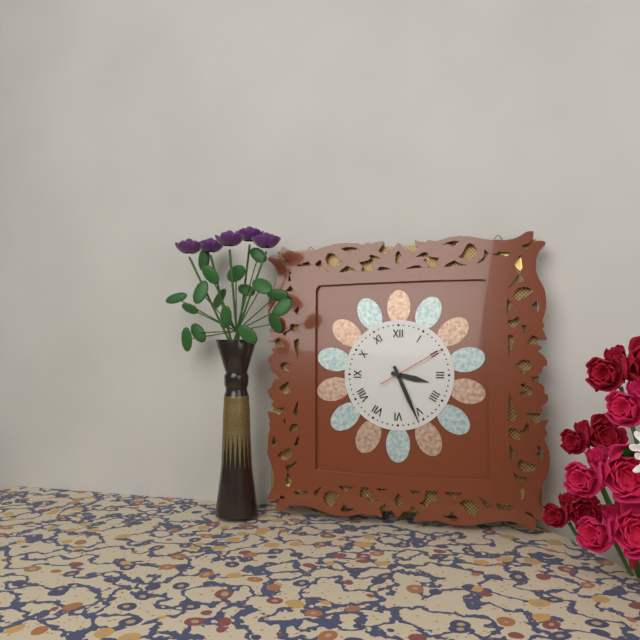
h=3 m=26 s=10
